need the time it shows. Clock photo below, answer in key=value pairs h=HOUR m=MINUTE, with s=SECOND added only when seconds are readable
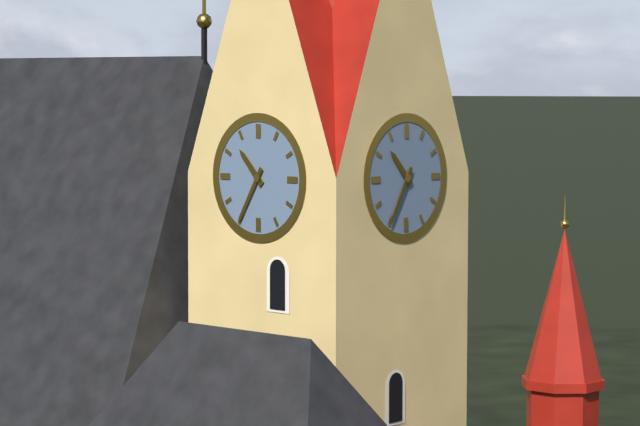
h=10 m=35
